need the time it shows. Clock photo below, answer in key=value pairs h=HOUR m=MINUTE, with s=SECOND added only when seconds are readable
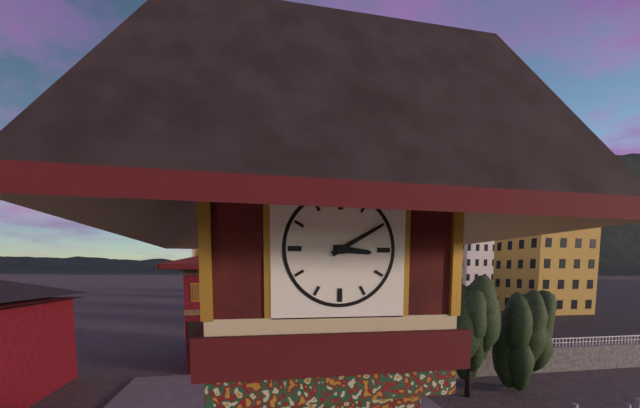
h=3 m=10
